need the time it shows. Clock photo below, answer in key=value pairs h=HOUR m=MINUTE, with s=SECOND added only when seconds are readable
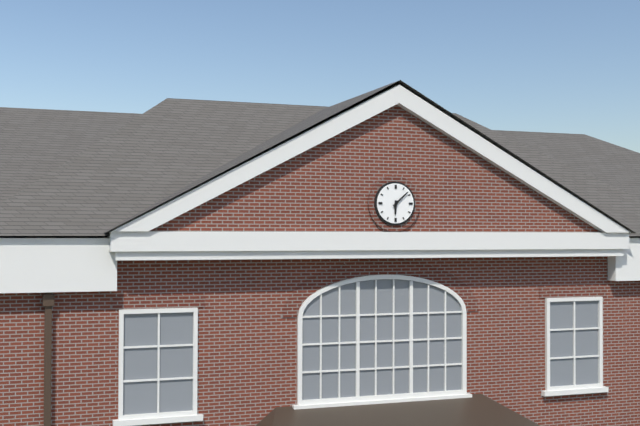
h=6 m=8
